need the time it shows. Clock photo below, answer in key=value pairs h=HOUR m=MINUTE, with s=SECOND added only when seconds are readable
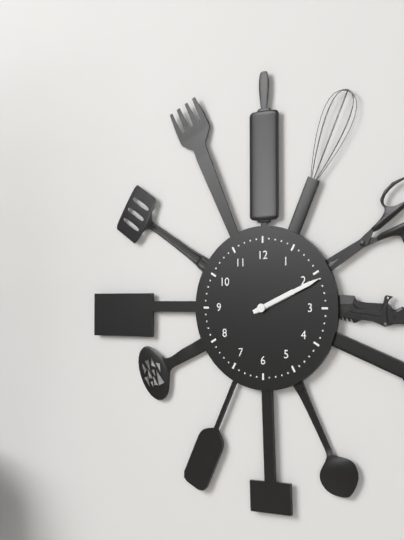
h=2 m=11
